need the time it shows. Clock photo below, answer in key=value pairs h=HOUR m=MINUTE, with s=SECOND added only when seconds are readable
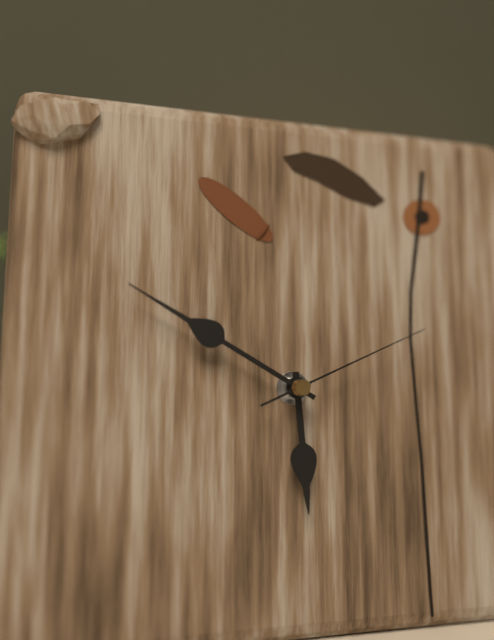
h=5 m=50 s=11
